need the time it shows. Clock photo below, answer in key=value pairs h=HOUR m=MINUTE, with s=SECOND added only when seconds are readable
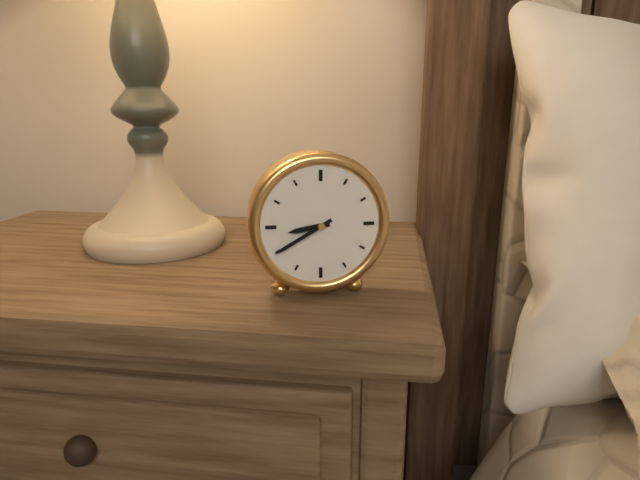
h=8 m=40
